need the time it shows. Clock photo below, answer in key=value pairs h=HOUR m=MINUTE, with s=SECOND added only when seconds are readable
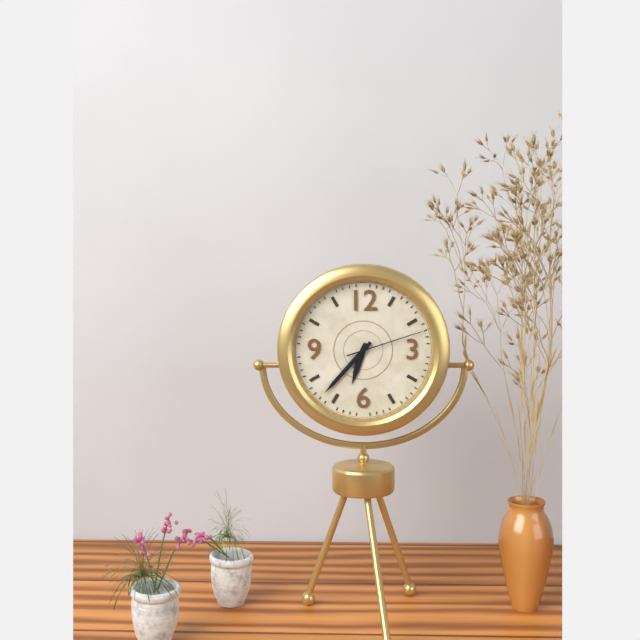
h=6 m=37 s=12
